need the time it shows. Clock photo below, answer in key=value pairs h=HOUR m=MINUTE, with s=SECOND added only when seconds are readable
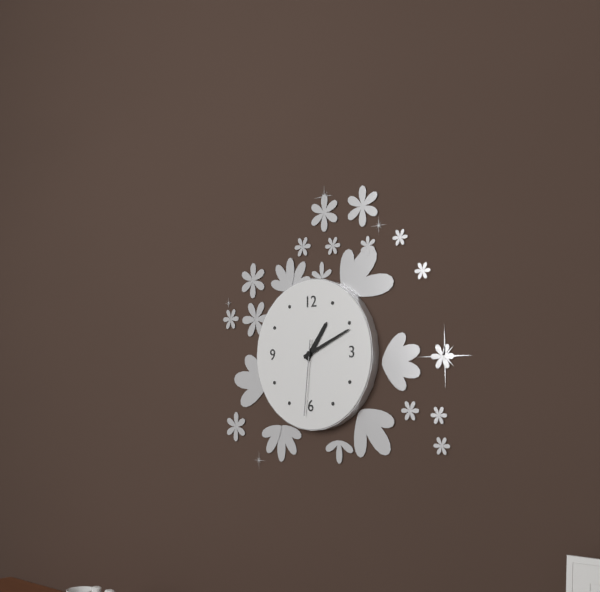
h=1 m=11 s=31
